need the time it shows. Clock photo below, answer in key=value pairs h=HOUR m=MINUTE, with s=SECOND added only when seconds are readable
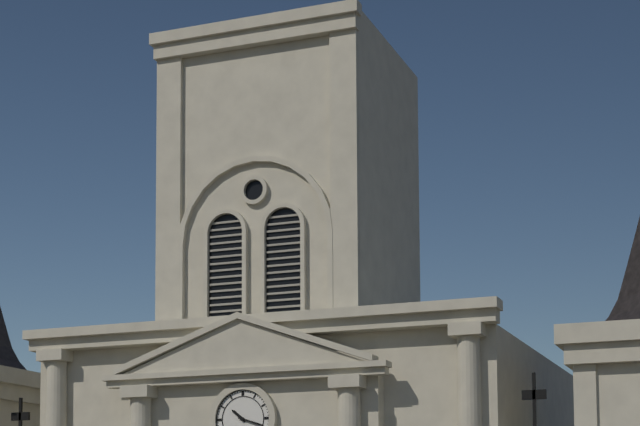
h=10 m=18
